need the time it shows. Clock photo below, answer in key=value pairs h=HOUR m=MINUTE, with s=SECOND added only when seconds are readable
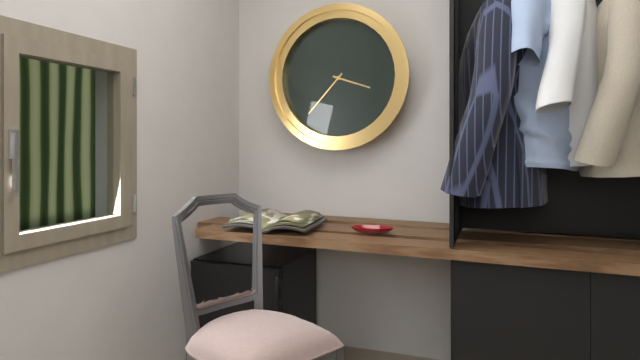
h=3 m=37
